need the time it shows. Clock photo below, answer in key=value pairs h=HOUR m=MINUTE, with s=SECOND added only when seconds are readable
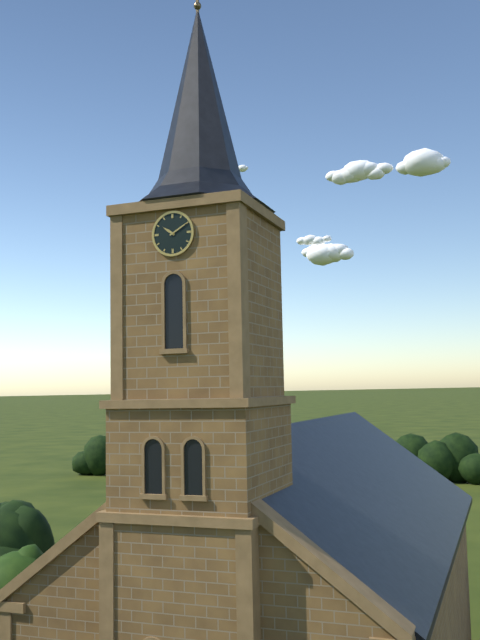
h=10 m=10
